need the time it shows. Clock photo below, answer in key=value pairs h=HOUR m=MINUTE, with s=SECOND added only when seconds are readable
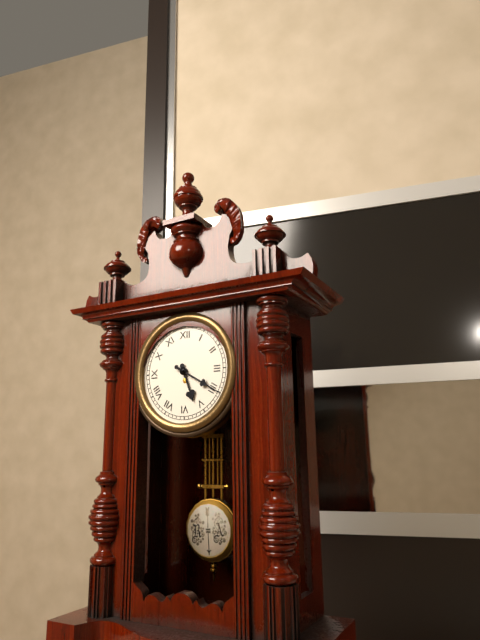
h=5 m=20
